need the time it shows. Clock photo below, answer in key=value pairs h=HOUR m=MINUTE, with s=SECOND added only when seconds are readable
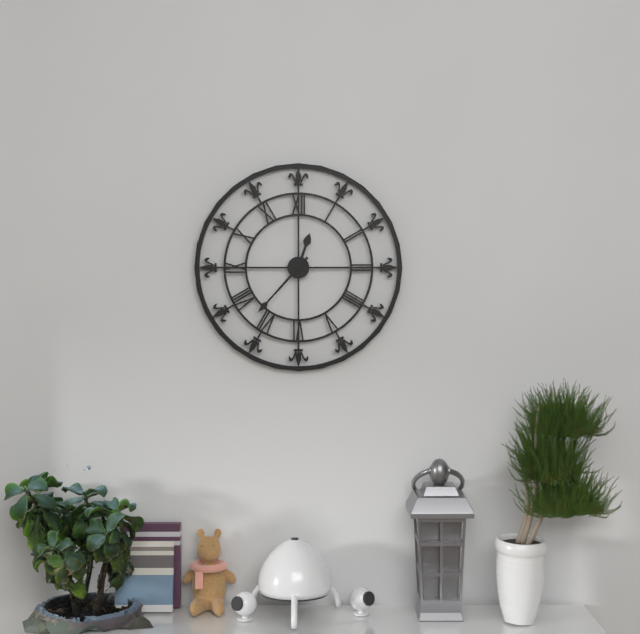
h=12 m=37
